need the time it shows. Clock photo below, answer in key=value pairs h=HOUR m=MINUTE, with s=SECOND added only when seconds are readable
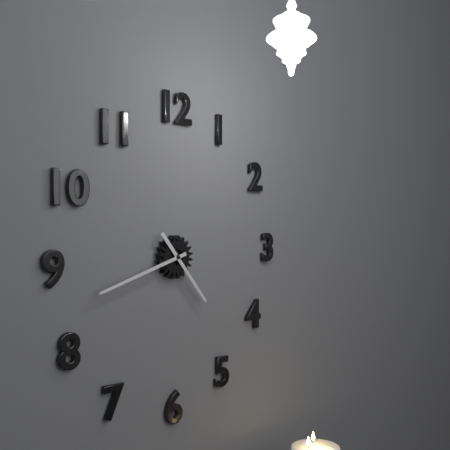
h=4 m=42
